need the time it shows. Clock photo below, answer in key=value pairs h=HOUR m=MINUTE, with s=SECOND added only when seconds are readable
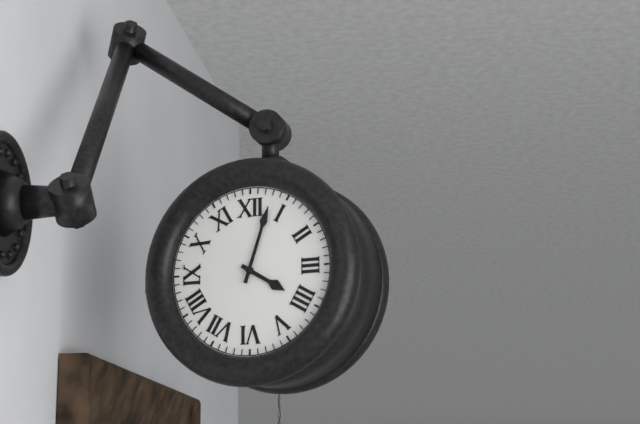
h=4 m=3
